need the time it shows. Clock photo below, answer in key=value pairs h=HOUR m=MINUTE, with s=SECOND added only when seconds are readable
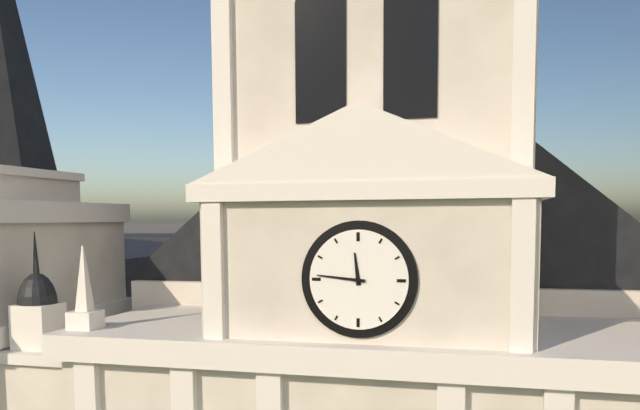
h=11 m=46
